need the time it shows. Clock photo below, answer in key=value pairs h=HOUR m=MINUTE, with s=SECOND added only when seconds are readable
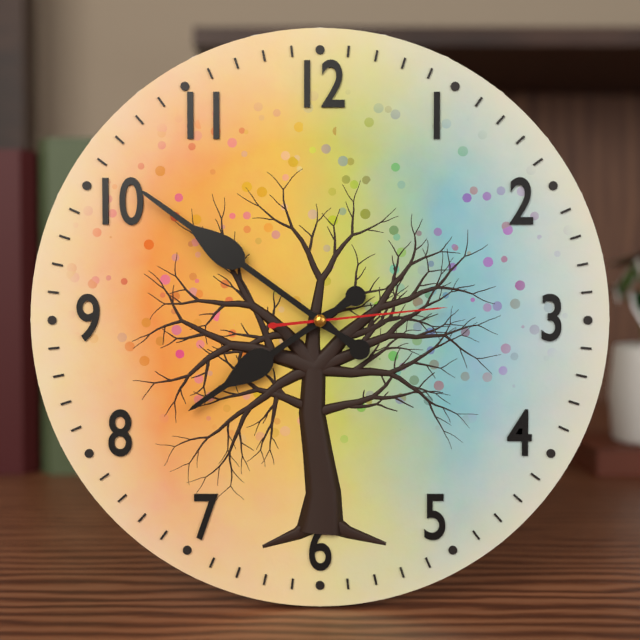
h=7 m=51 s=14
